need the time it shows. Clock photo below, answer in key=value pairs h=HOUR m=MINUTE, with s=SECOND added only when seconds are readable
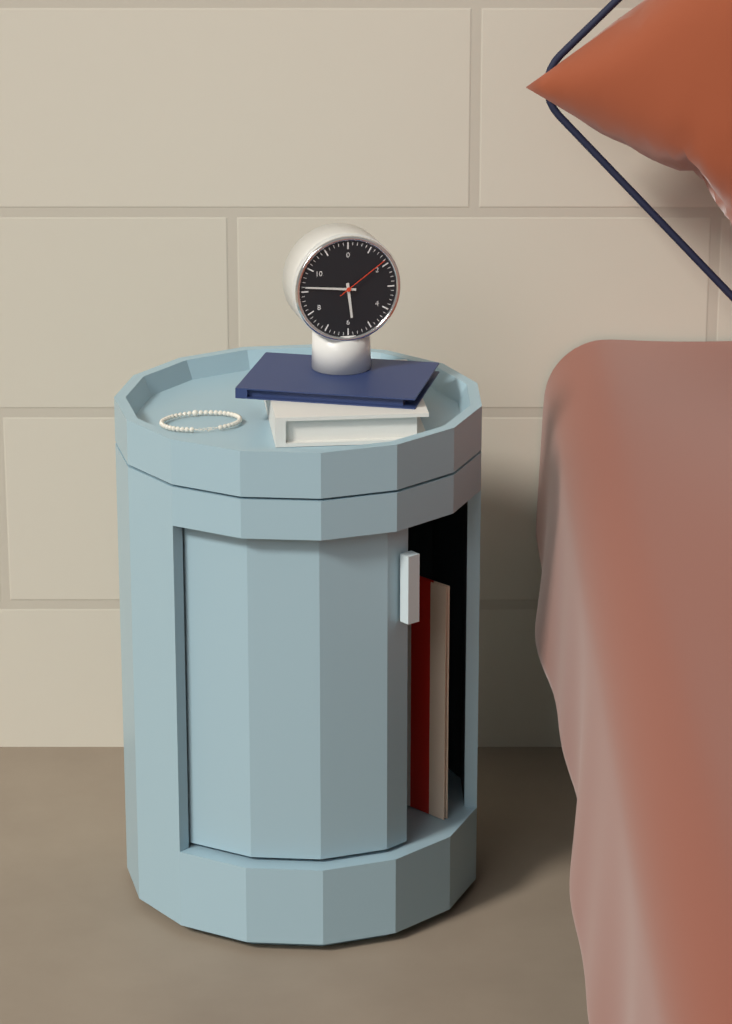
h=5 m=46 s=9
